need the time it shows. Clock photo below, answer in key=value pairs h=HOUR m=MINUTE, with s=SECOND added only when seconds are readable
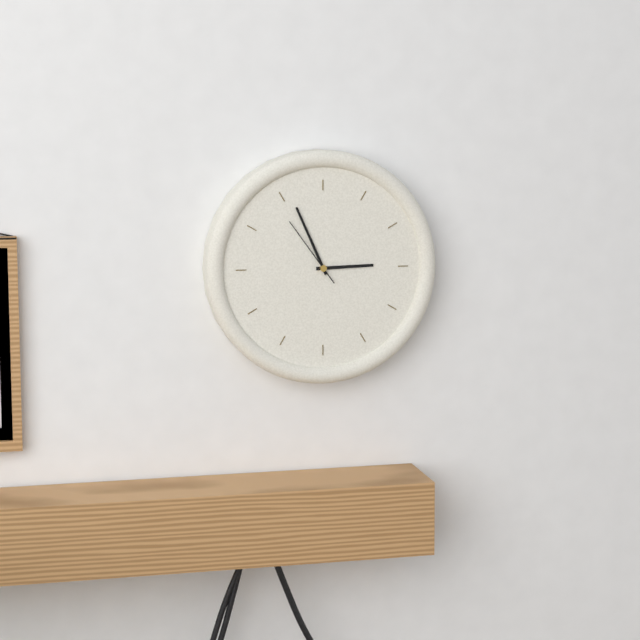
h=2 m=56 s=54
